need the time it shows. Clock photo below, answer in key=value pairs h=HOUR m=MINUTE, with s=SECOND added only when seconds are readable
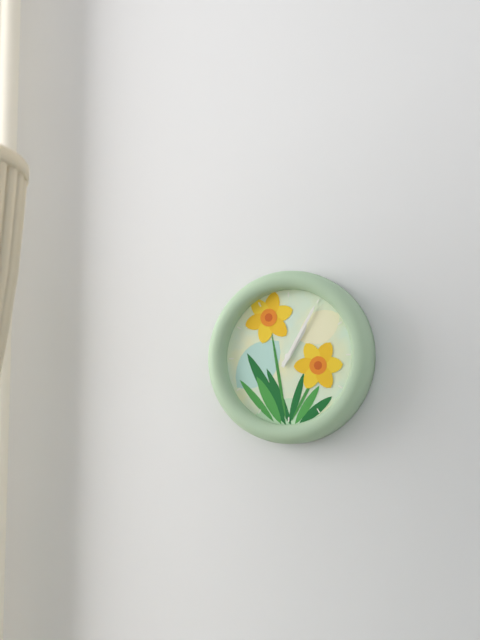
h=1 m=5
